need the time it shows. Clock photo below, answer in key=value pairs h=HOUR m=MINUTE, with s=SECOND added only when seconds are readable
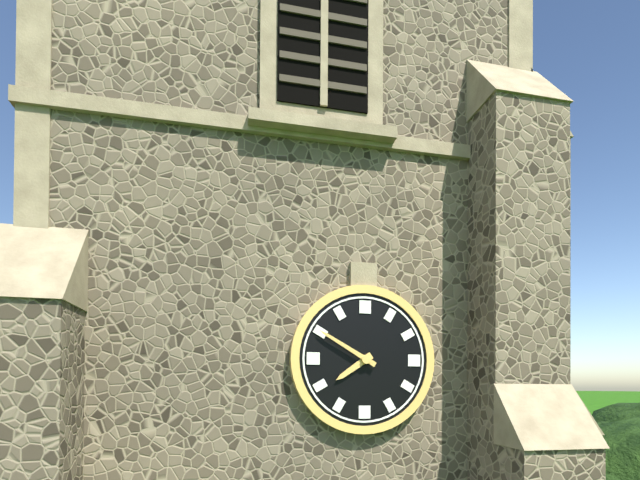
h=7 m=50
